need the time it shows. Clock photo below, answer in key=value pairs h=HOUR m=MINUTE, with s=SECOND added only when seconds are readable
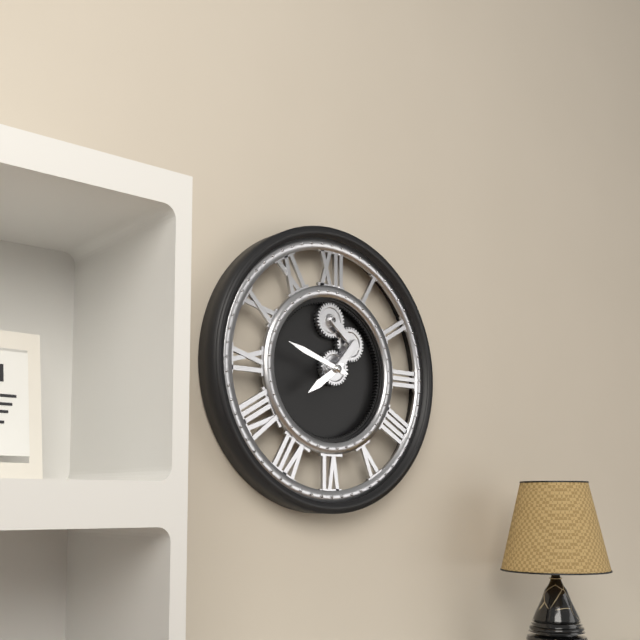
h=7 m=48
